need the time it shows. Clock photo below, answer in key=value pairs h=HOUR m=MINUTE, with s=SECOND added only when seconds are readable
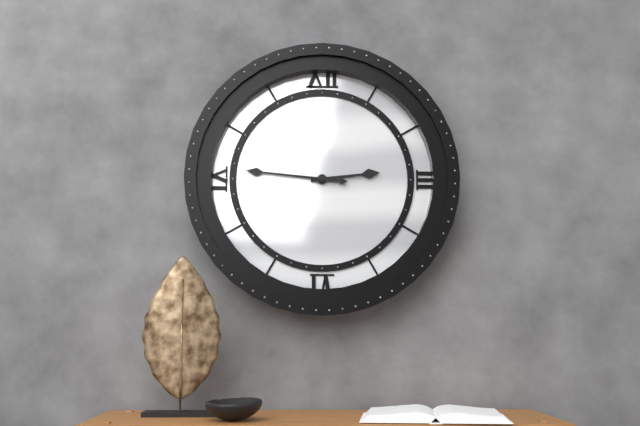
h=2 m=46
